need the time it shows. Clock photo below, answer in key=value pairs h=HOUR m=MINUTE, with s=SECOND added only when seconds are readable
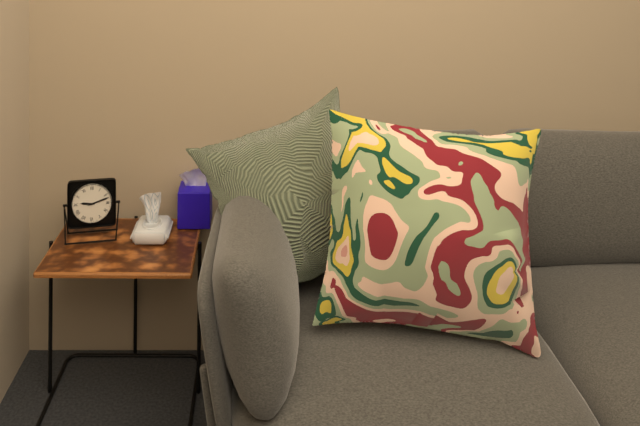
h=9 m=12
